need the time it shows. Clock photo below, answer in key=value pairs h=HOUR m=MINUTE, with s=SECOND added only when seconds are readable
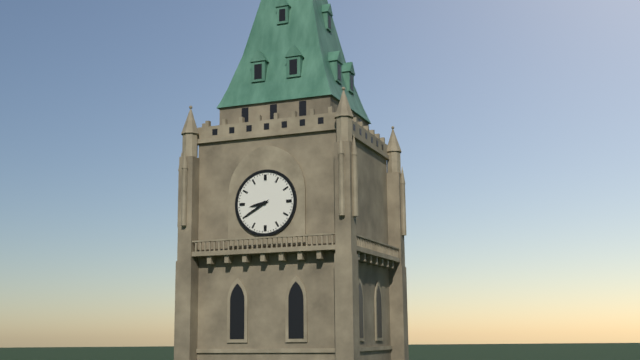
h=8 m=40
